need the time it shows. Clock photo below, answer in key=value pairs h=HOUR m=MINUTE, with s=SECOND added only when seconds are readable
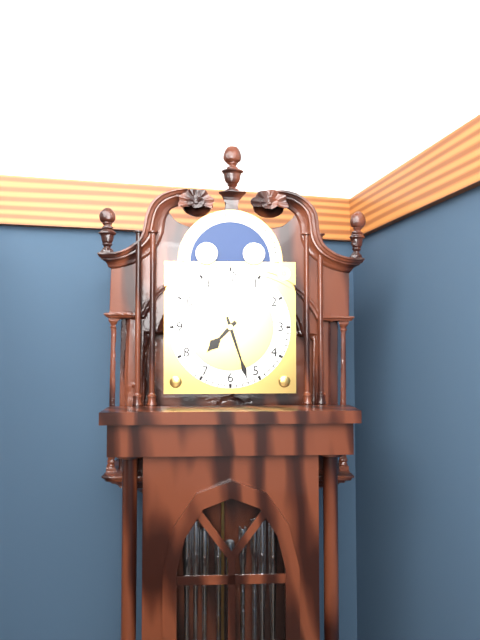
h=7 m=27
